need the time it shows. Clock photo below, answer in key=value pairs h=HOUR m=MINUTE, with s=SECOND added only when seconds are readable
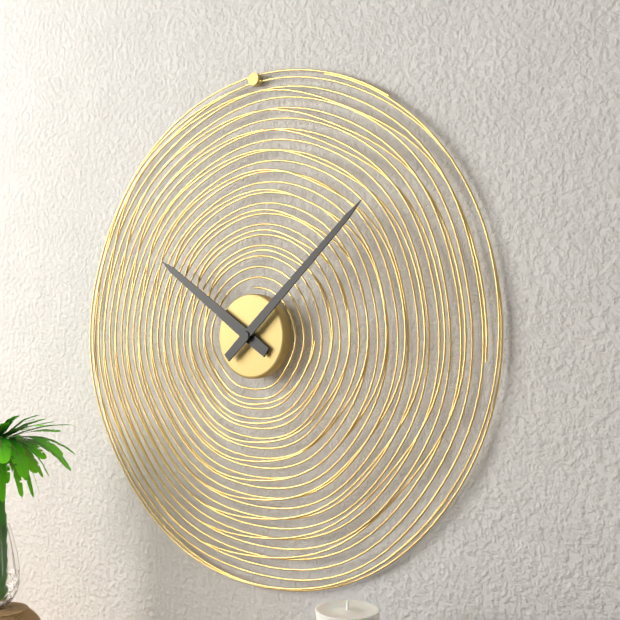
h=10 m=8
